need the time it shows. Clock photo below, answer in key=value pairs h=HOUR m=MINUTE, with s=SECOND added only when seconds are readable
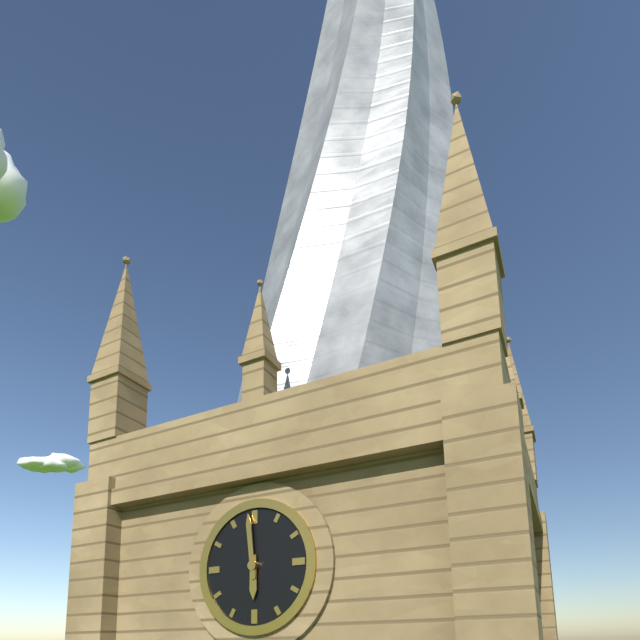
h=5 m=59
